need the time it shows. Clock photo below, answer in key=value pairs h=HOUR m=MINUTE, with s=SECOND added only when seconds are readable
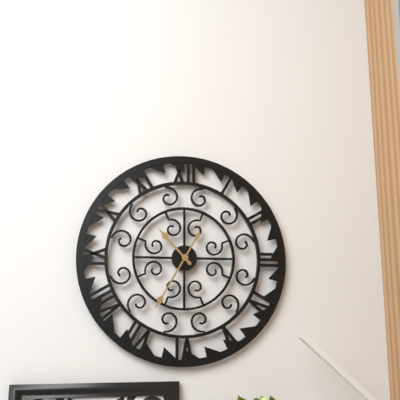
h=10 m=35
